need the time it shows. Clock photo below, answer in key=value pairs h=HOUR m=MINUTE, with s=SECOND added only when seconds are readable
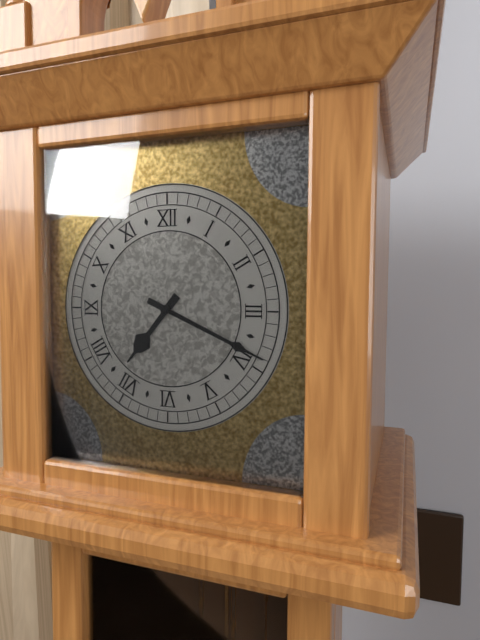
h=7 m=19
